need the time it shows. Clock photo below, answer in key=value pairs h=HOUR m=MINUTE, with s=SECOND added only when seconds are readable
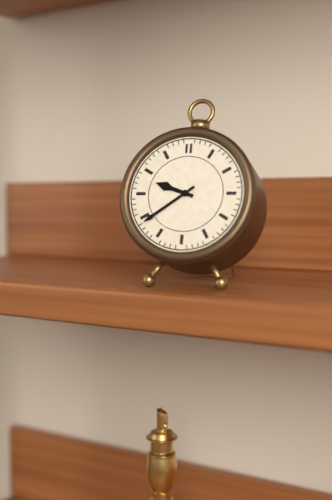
h=9 m=39
